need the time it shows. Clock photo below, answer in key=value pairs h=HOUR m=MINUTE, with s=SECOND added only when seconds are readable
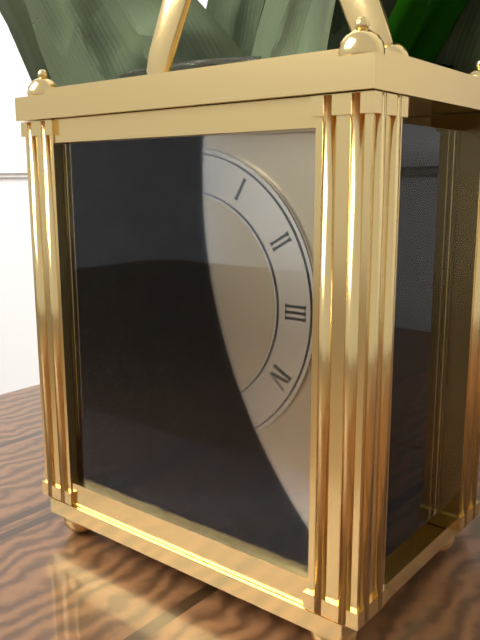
h=5 m=39
